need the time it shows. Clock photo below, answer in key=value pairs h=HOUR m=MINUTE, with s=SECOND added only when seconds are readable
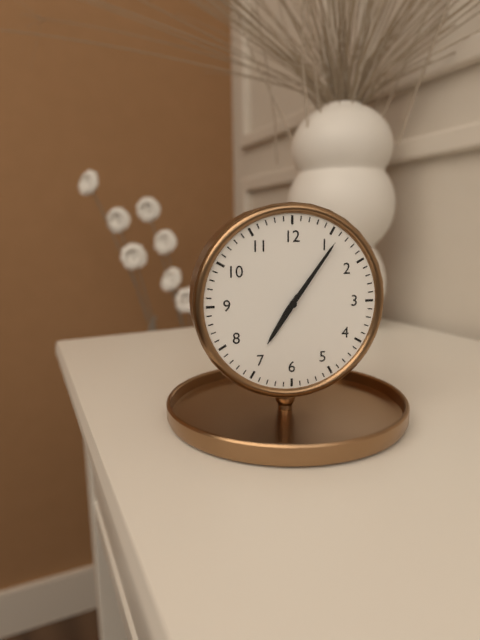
h=7 m=6
